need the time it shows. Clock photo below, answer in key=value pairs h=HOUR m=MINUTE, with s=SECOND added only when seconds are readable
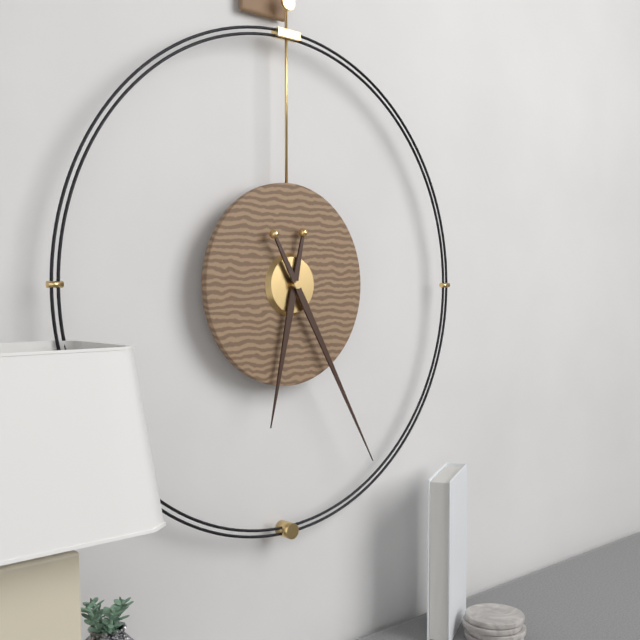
h=6 m=25
